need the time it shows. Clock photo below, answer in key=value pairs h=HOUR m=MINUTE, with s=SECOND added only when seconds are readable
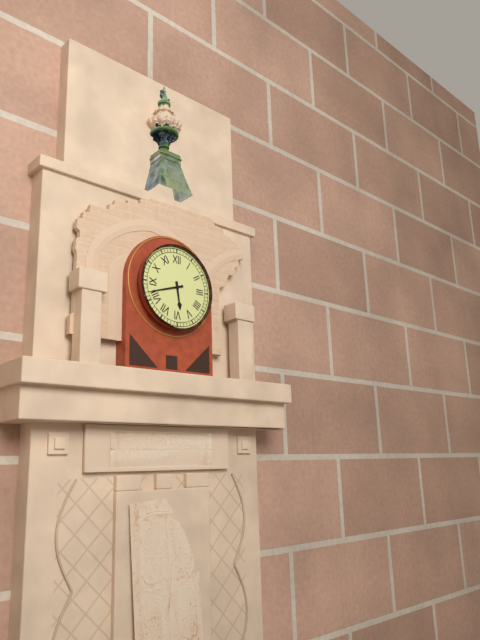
h=5 m=42
